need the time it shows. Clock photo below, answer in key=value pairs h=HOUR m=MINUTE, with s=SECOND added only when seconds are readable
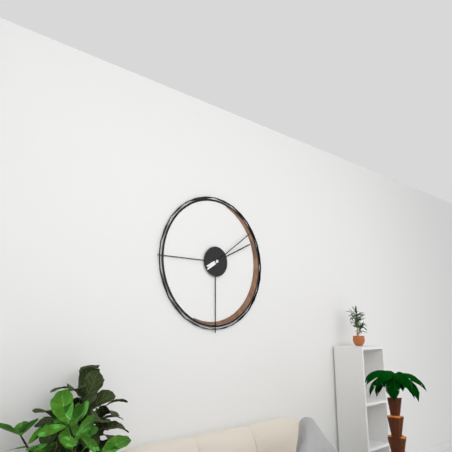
h=2 m=9
